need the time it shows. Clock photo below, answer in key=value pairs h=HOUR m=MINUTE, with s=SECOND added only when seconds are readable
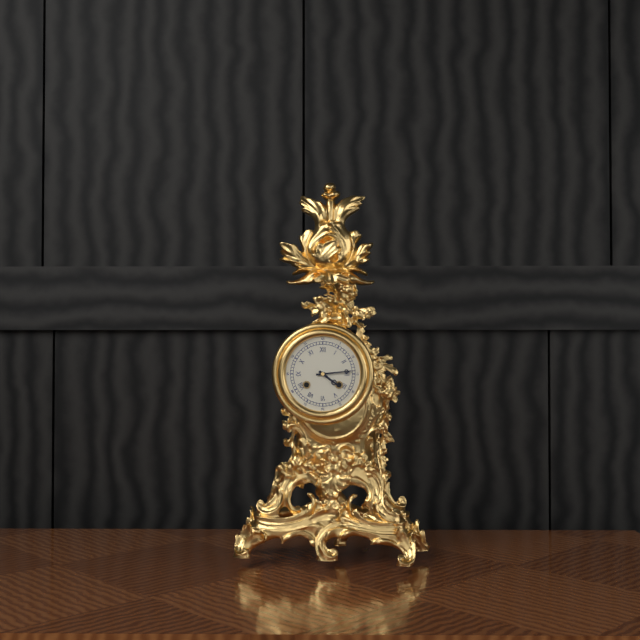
h=4 m=14
